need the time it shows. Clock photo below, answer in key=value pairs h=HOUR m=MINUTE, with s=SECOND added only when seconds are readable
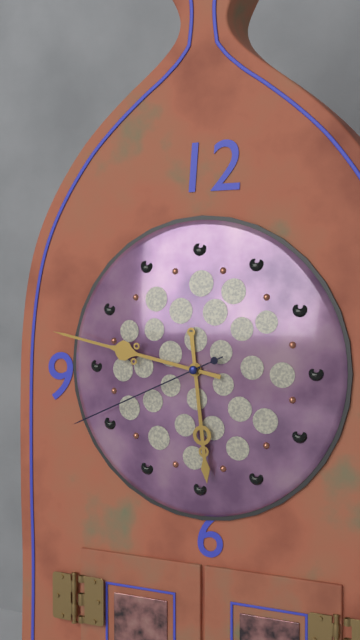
h=5 m=47 s=41
